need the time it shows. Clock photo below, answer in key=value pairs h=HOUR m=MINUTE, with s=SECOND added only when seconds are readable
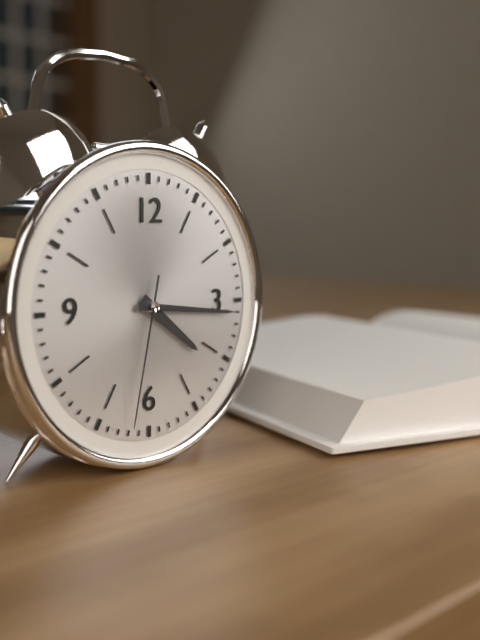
h=4 m=16 s=32
